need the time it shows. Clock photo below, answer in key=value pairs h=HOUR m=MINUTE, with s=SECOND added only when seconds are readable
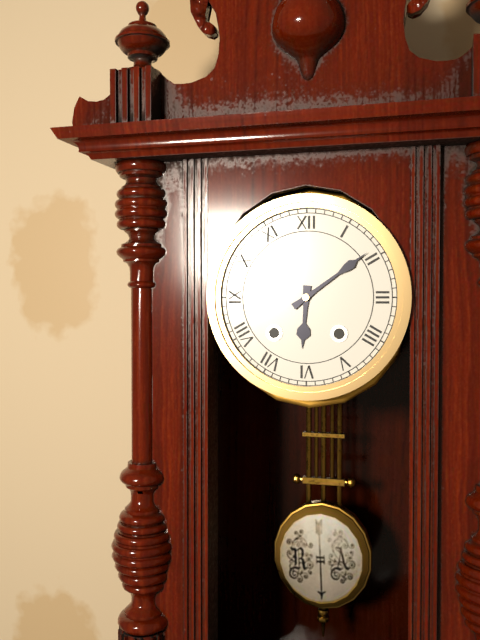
h=6 m=9
